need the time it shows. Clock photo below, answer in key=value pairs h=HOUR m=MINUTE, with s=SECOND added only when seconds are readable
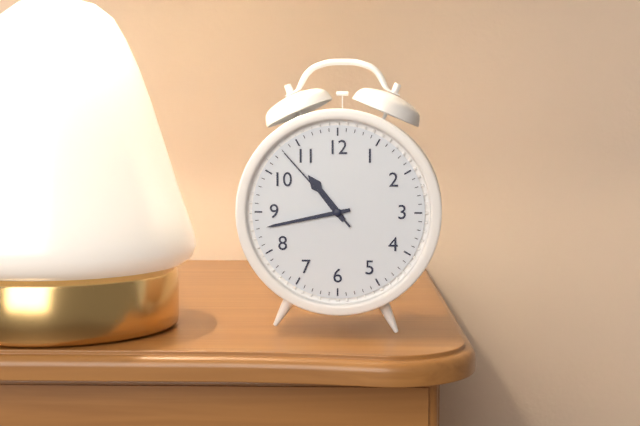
h=10 m=43 s=53
